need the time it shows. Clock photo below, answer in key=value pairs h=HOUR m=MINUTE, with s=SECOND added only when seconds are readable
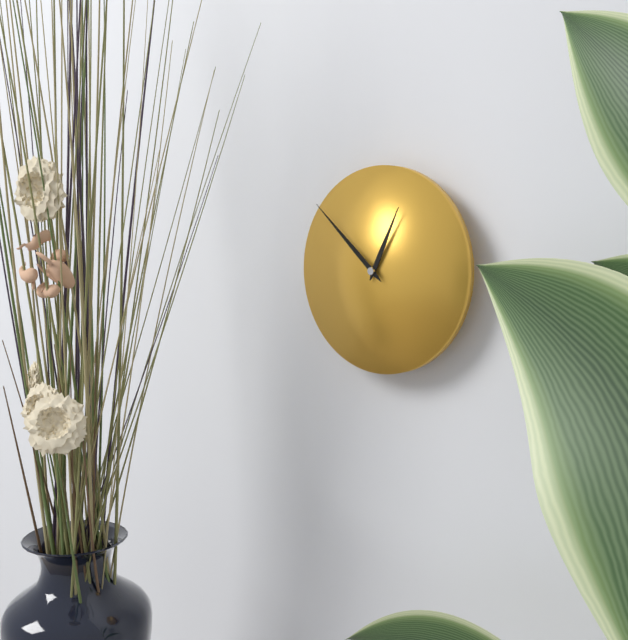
h=12 m=52
